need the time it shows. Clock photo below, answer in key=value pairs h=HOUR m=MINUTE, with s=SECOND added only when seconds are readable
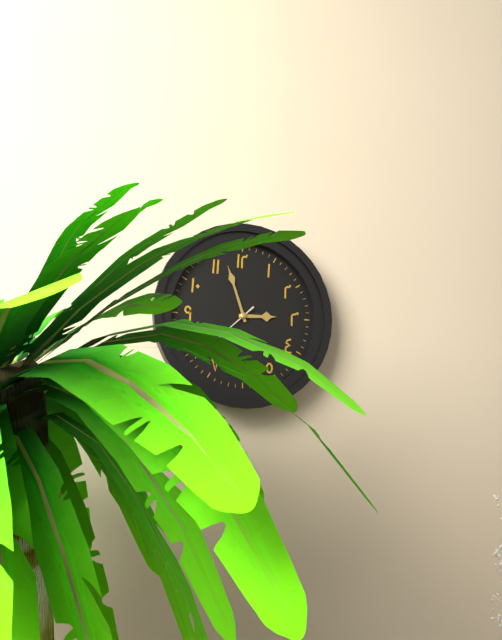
h=2 m=57 s=38
